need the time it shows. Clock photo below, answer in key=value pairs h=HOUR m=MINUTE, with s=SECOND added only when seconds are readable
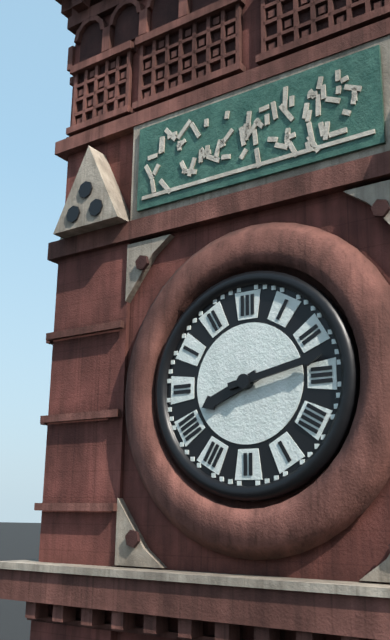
h=8 m=13
